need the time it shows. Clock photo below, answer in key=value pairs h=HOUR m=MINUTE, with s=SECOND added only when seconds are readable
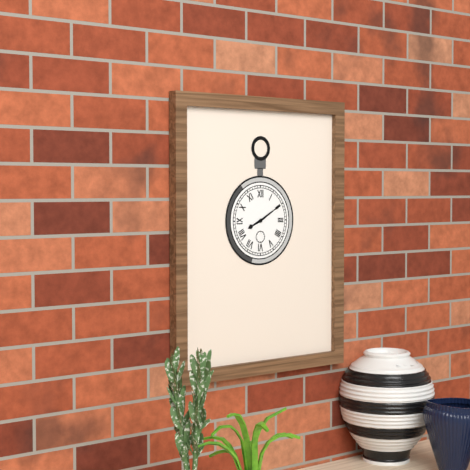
h=8 m=10
